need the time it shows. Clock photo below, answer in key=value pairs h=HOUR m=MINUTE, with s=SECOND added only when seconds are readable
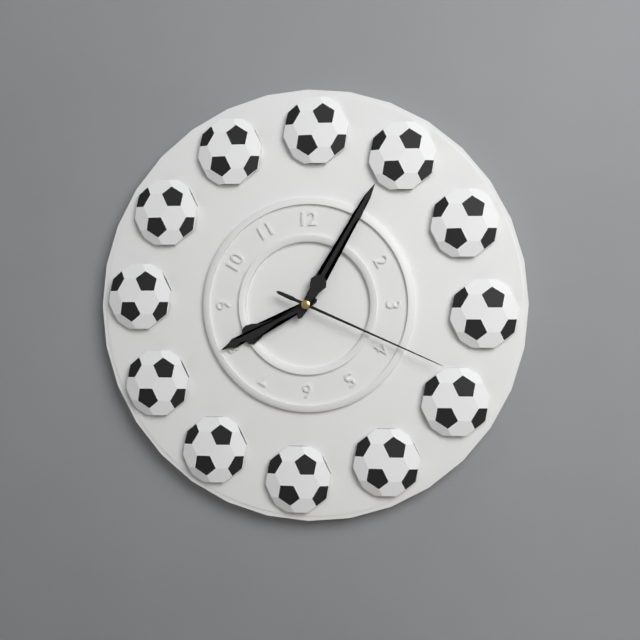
h=8 m=5 s=19
